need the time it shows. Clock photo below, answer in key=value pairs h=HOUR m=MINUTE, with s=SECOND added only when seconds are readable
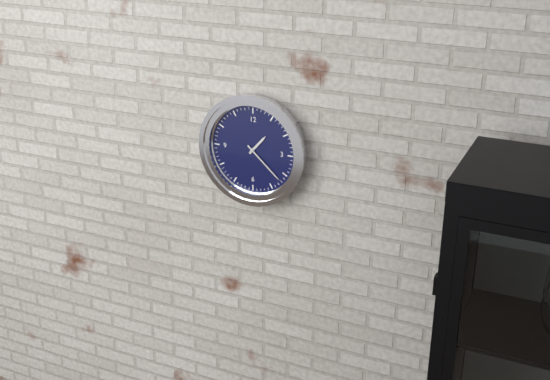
h=1 m=22
